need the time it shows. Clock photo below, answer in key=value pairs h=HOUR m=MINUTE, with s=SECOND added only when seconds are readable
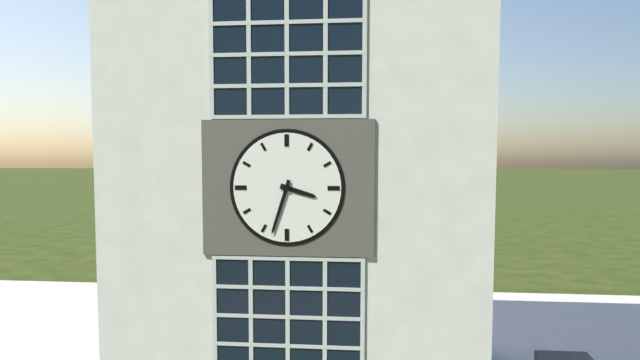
h=3 m=33
